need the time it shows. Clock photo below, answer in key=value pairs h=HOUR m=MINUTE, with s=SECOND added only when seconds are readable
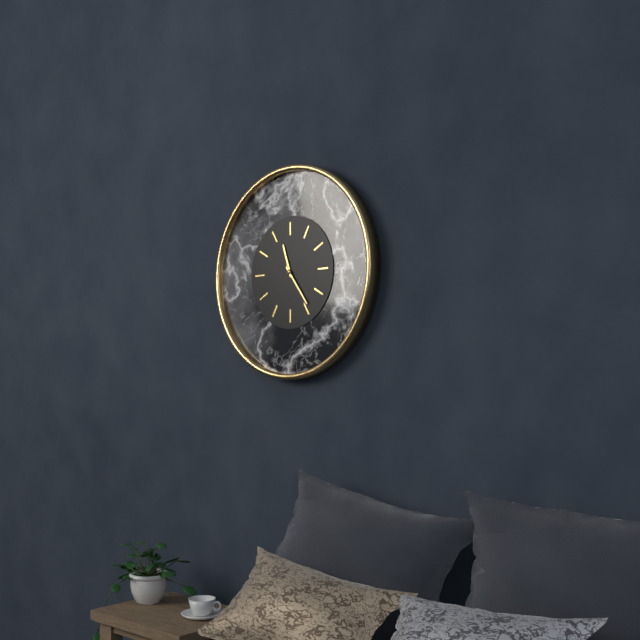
h=11 m=24
